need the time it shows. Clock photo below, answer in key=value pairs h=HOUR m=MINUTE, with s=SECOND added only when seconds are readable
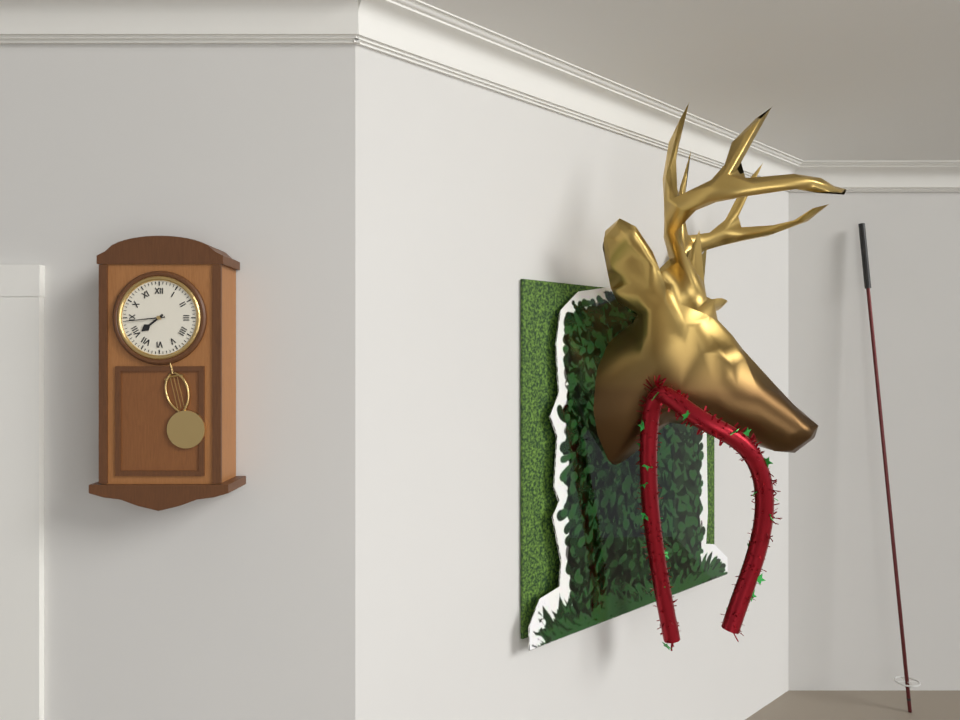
h=7 m=44
